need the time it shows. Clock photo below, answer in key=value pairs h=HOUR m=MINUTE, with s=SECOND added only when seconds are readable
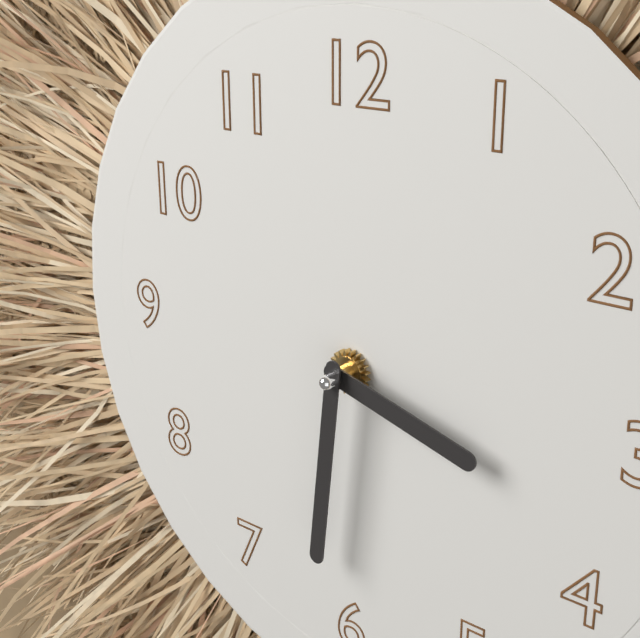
h=3 m=31
